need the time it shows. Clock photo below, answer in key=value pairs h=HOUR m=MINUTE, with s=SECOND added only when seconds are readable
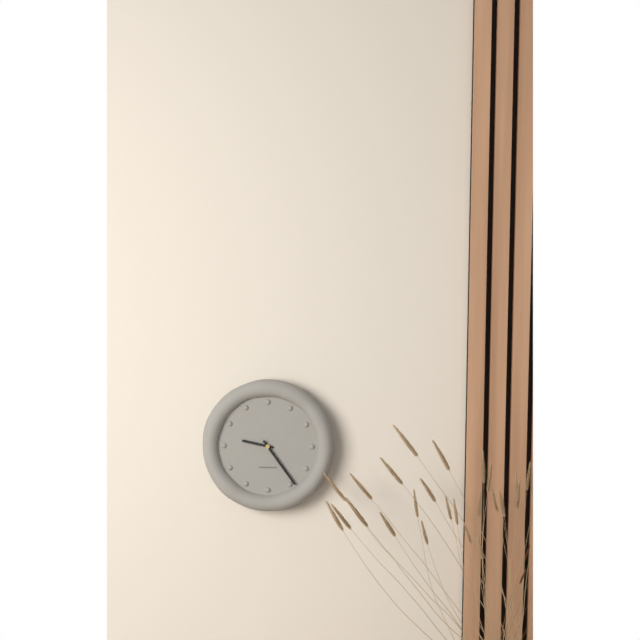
h=9 m=24
